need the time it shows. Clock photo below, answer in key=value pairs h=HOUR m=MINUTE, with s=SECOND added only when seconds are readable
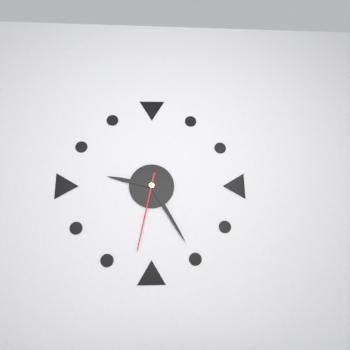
h=9 m=25 s=32
